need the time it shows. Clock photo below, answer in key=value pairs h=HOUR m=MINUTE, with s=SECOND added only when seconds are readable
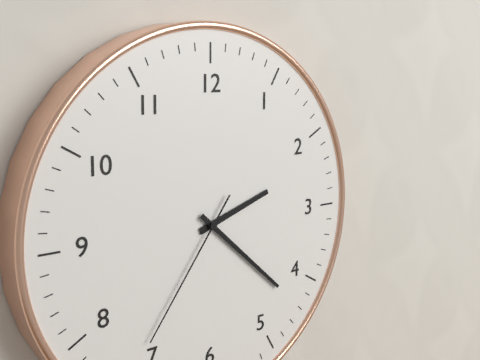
h=2 m=22 s=36
